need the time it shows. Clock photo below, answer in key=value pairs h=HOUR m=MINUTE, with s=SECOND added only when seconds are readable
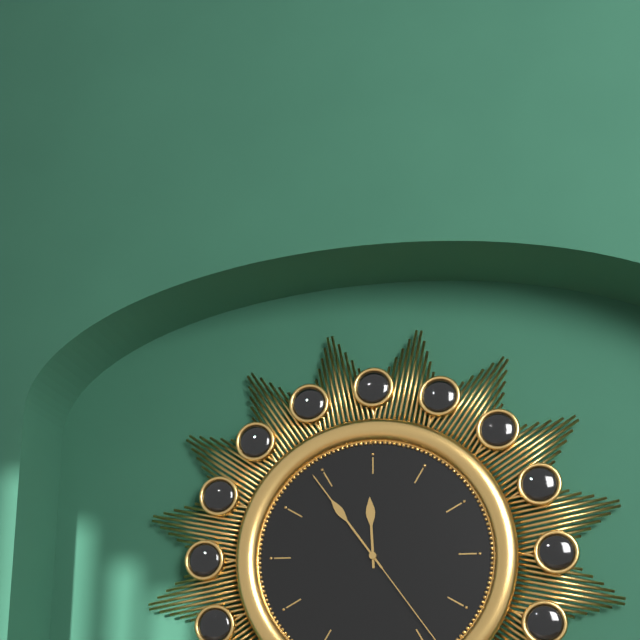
h=11 m=54
